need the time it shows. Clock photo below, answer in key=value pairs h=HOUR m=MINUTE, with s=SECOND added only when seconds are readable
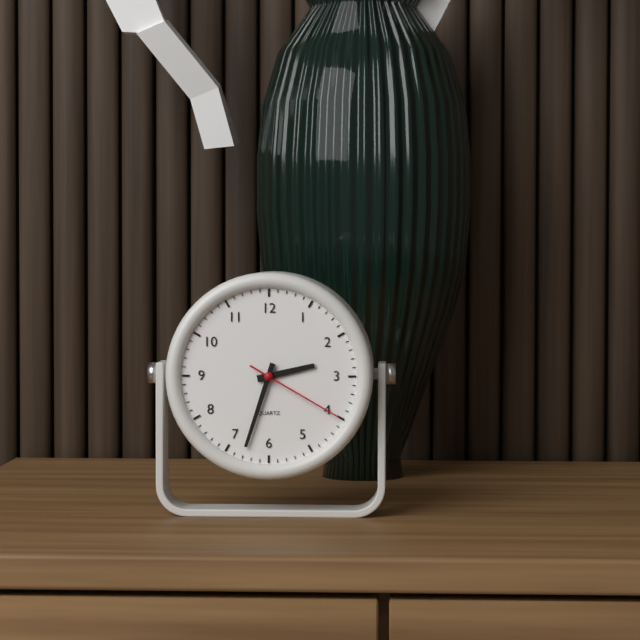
h=2 m=33 s=20
